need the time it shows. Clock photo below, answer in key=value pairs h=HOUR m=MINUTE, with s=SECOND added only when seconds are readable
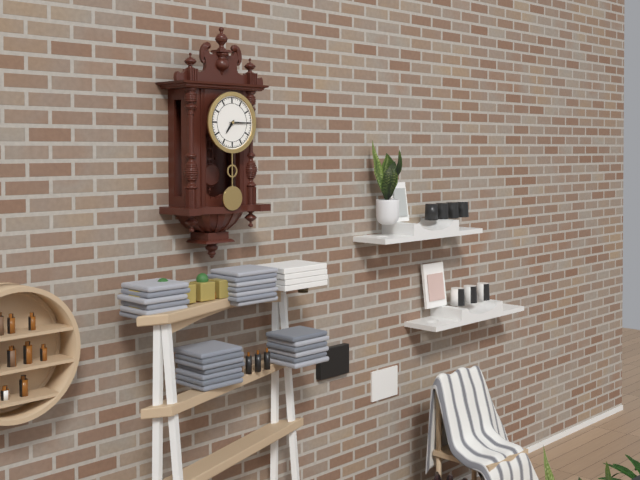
h=7 m=15
